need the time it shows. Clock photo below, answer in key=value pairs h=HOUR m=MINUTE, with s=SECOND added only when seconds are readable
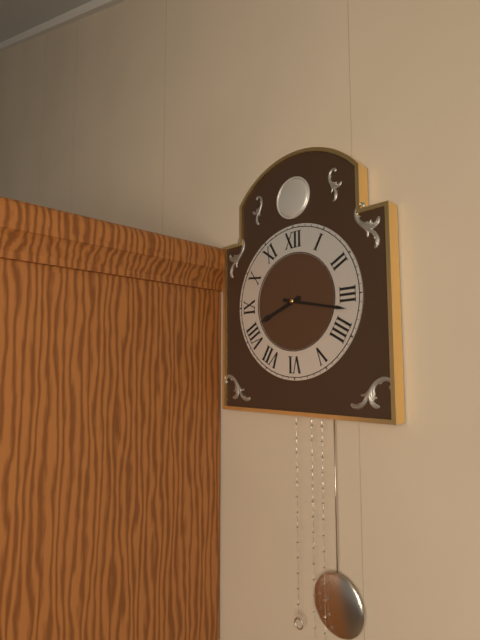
h=8 m=17
